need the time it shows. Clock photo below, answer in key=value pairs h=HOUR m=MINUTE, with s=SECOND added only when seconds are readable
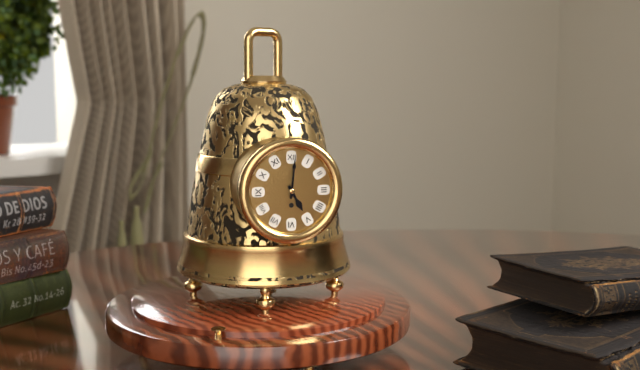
h=5 m=1
